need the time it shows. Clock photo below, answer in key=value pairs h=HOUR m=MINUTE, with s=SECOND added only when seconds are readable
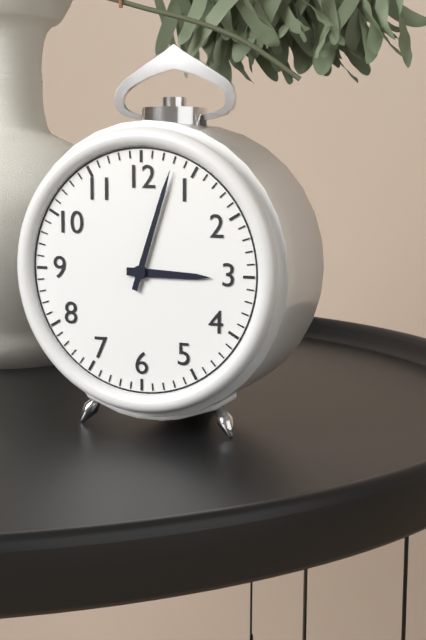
h=3 m=3
